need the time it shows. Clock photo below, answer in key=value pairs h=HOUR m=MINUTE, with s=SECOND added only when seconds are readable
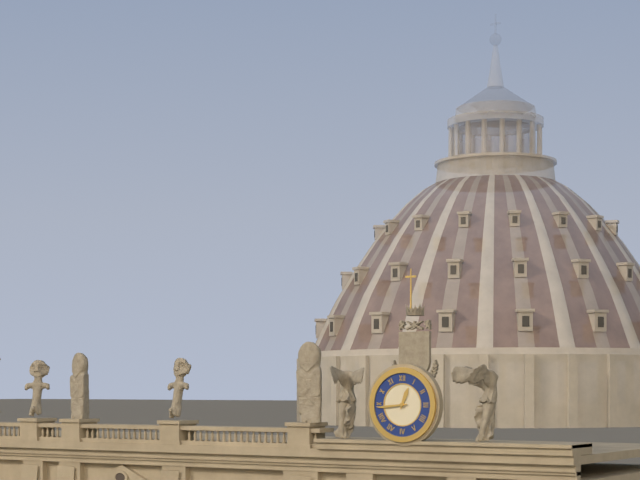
h=12 m=44
